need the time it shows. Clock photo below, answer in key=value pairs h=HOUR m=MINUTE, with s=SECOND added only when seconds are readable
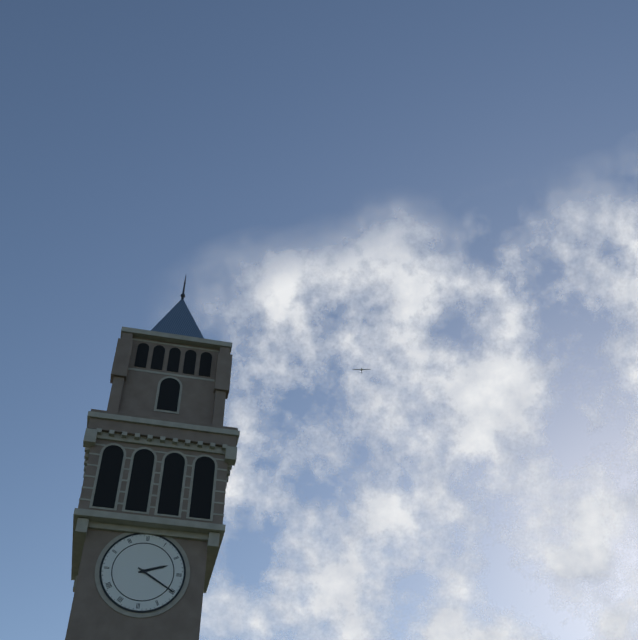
h=2 m=20
